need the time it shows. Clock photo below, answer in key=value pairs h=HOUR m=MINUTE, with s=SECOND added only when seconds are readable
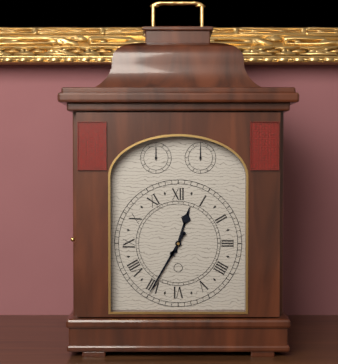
h=12 m=35
